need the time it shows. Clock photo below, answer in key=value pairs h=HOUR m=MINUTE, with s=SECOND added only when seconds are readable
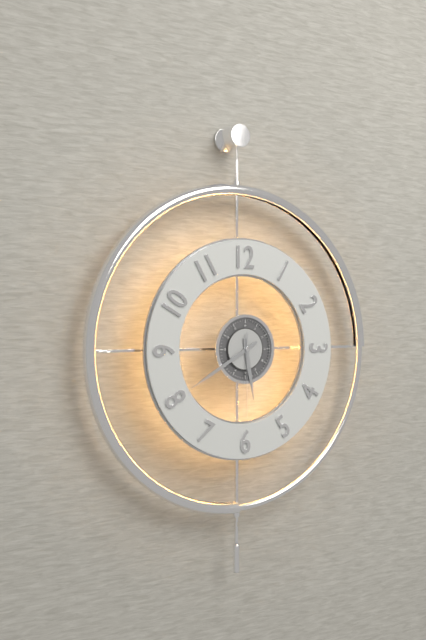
h=5 m=40 s=30
